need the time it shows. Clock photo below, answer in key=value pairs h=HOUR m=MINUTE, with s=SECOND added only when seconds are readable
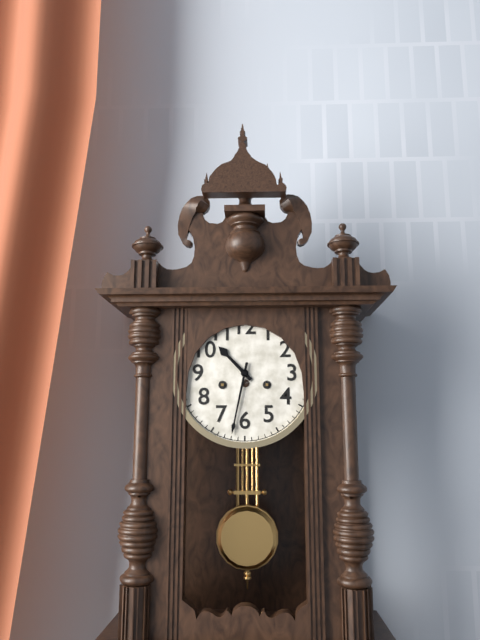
h=10 m=32
